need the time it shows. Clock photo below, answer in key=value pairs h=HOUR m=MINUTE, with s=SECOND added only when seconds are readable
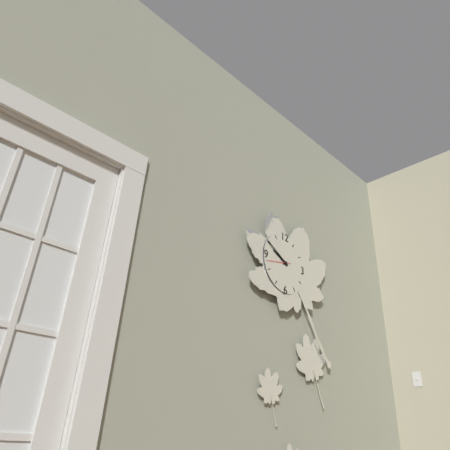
h=9 m=50
